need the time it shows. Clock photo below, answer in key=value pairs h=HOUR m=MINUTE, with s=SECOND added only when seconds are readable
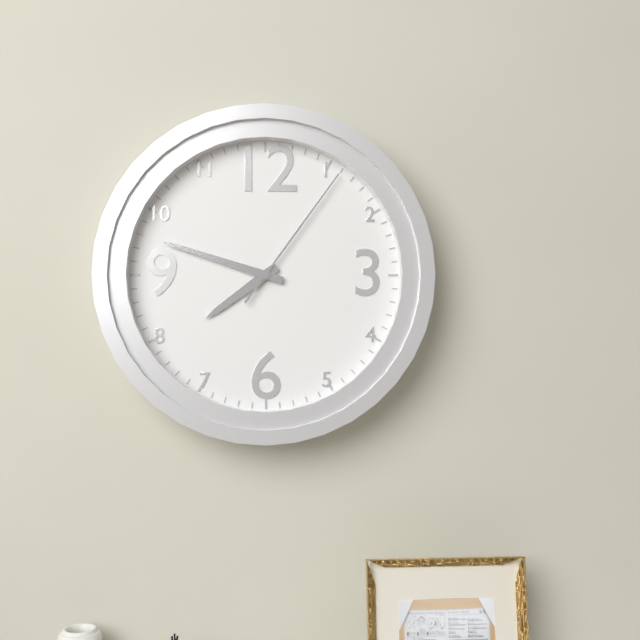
h=7 m=48 s=6
